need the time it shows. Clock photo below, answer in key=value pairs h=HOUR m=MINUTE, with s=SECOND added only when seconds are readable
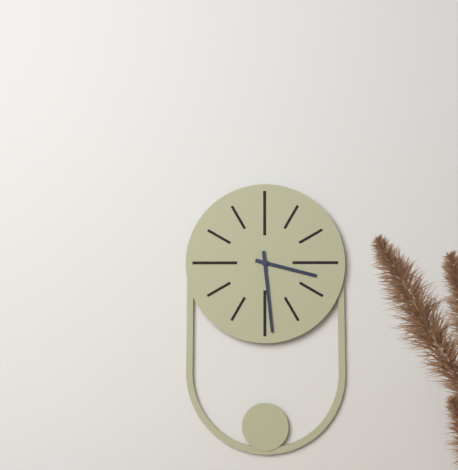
h=3 m=29
